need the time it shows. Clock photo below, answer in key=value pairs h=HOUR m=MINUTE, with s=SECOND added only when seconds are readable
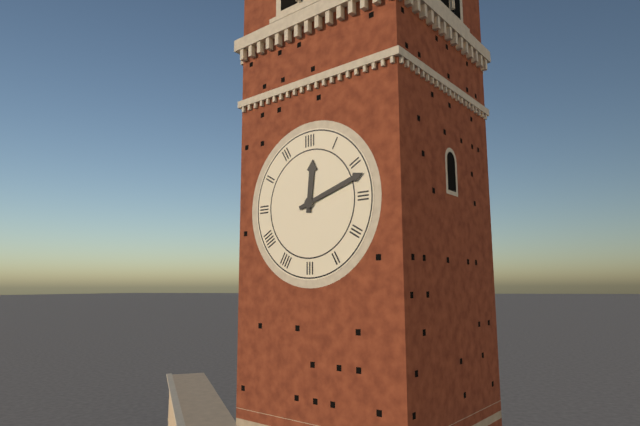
h=12 m=12
